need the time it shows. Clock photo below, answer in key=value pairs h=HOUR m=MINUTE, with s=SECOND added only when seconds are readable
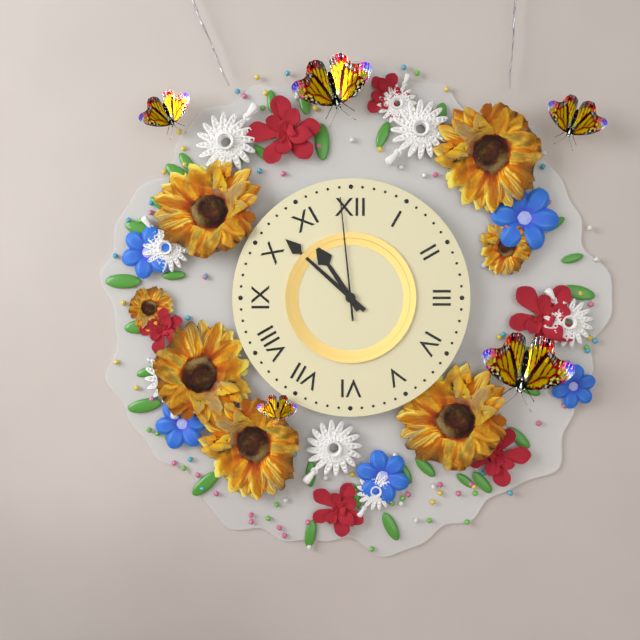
h=10 m=52 s=59
